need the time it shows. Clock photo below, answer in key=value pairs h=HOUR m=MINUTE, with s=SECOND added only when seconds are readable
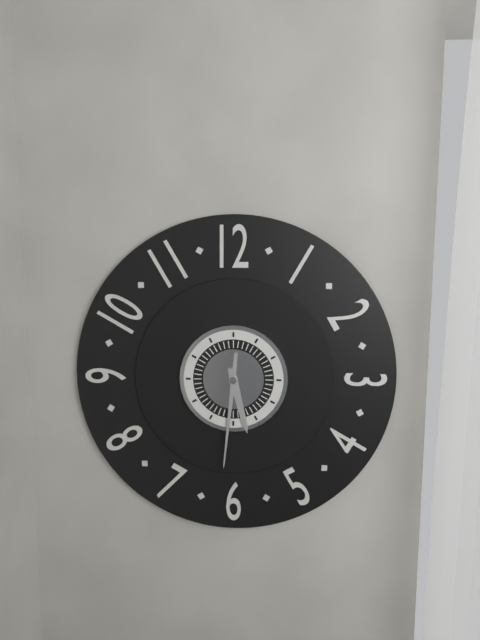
h=5 m=31
